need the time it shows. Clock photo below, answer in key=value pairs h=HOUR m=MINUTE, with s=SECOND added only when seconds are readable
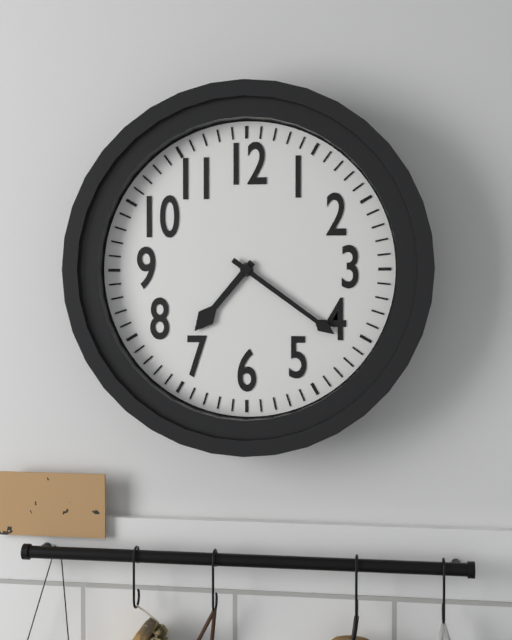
h=7 m=21
